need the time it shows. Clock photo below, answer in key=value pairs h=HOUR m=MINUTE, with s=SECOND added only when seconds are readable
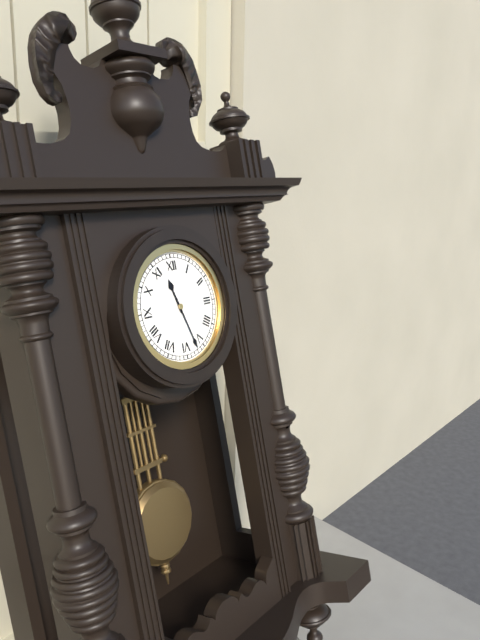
h=11 m=27
